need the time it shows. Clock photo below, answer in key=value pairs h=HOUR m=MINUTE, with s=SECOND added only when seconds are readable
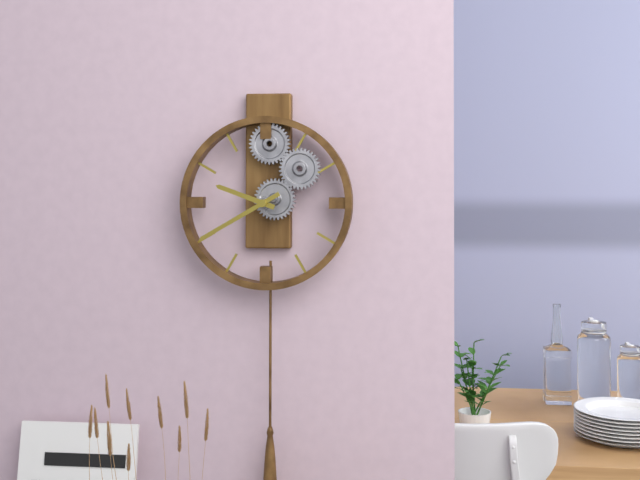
h=9 m=40
